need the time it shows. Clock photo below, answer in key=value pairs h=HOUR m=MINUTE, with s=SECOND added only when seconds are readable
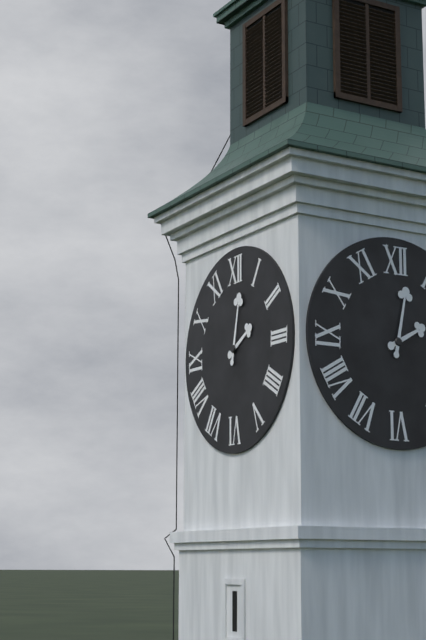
h=2 m=2
